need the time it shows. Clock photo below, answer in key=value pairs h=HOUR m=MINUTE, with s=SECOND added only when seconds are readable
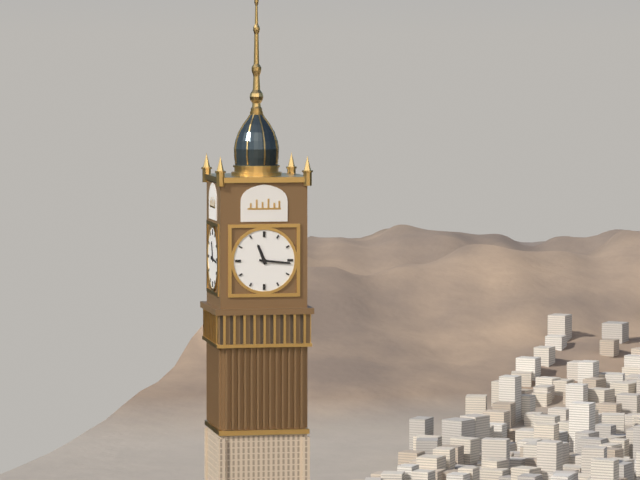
h=11 m=16
